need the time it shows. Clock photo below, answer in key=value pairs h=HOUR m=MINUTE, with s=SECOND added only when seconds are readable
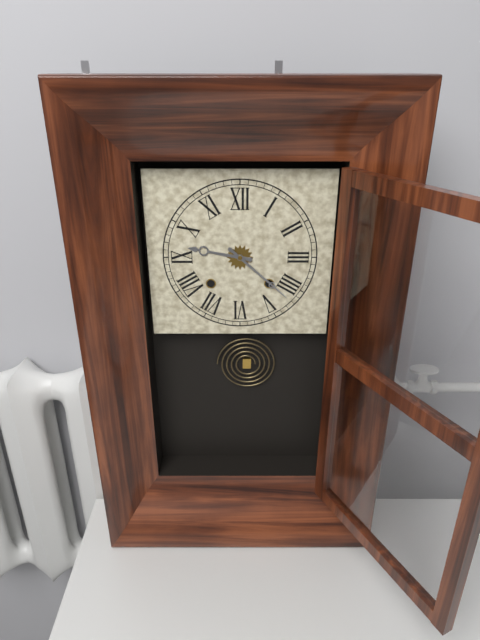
h=9 m=22
